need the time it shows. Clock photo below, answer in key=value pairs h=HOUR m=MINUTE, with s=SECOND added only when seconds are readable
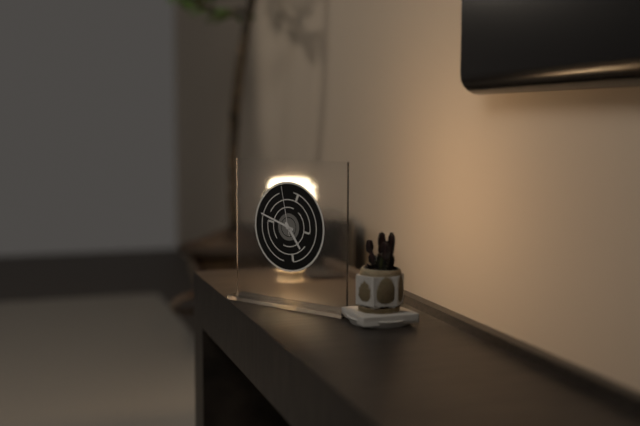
h=4 m=48 s=58
